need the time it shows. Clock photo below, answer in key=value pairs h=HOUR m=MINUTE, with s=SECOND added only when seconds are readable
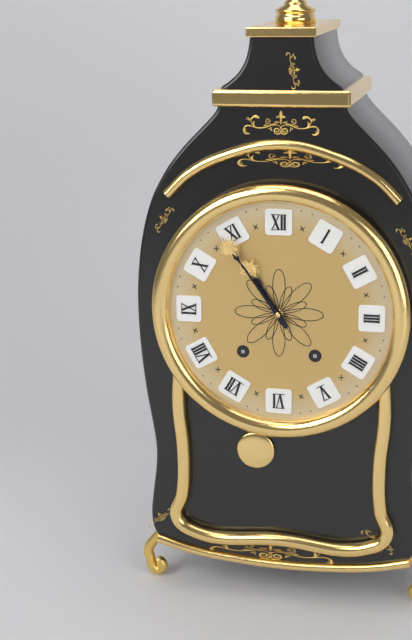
h=10 m=54
